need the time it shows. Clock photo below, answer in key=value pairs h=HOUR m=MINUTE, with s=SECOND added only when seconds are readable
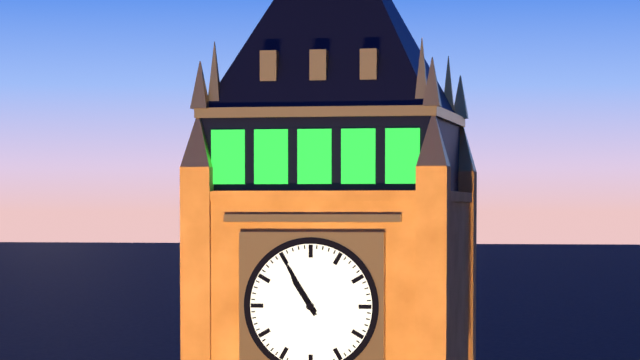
h=10 m=55
